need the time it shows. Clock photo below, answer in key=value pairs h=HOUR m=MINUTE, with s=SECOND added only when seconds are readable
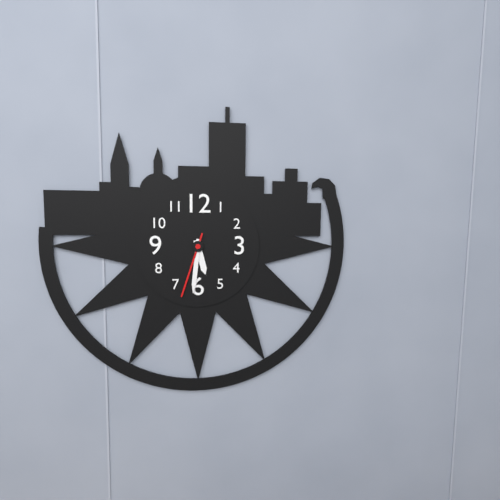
h=5 m=31 s=33
